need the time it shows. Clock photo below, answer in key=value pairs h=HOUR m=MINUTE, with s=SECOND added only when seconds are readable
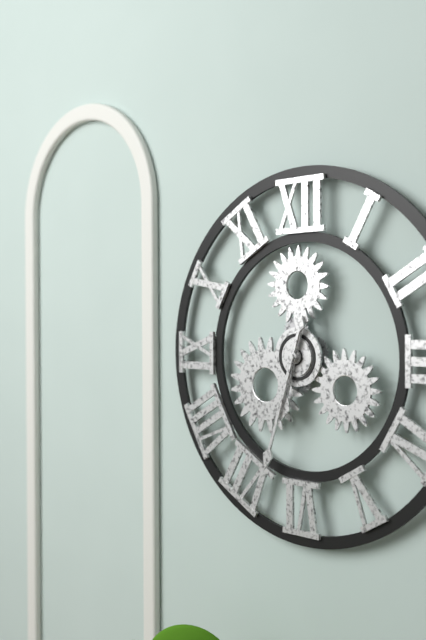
h=6 m=33
